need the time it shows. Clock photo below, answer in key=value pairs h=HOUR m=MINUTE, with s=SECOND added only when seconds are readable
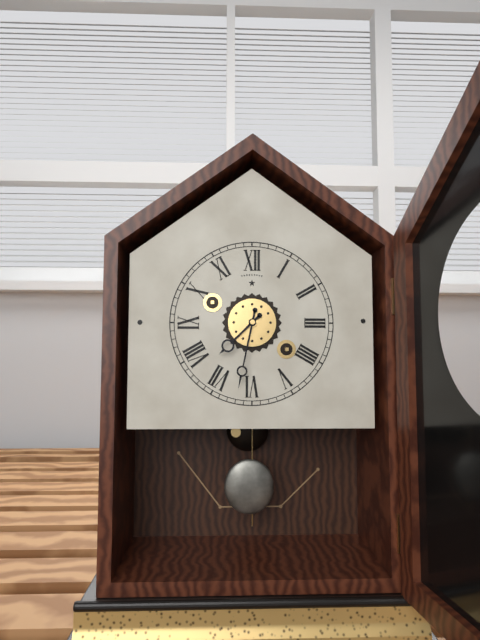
h=7 m=32
